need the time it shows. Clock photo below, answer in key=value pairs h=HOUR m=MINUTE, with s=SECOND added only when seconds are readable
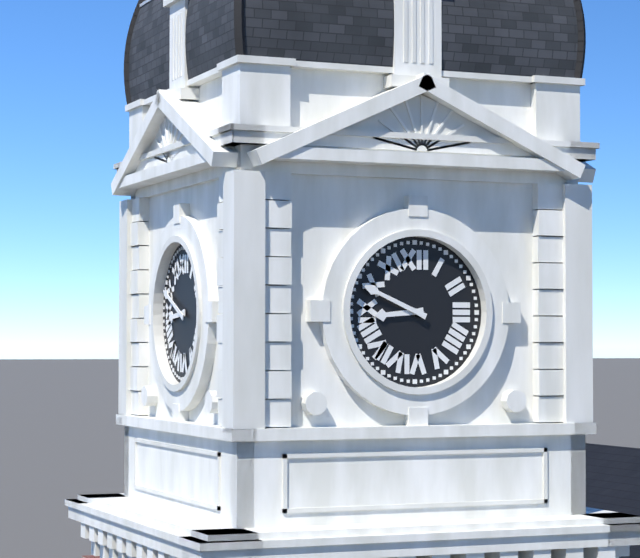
h=8 m=49
